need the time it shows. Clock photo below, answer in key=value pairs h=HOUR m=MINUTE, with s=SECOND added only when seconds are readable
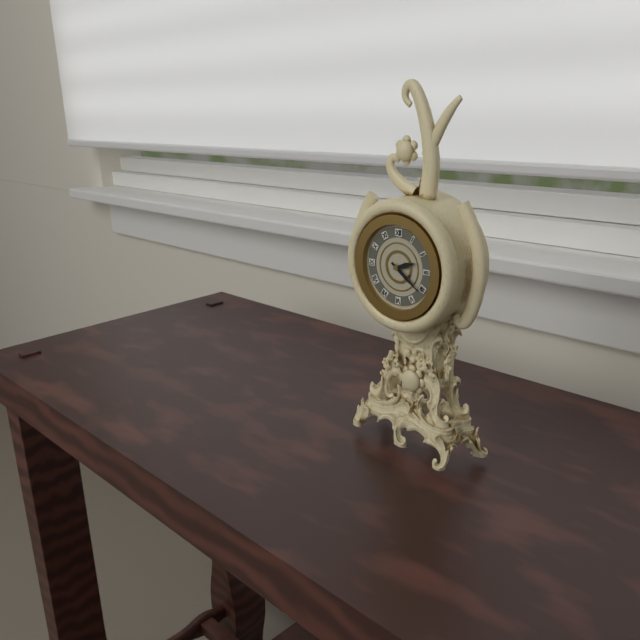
h=2 m=21
